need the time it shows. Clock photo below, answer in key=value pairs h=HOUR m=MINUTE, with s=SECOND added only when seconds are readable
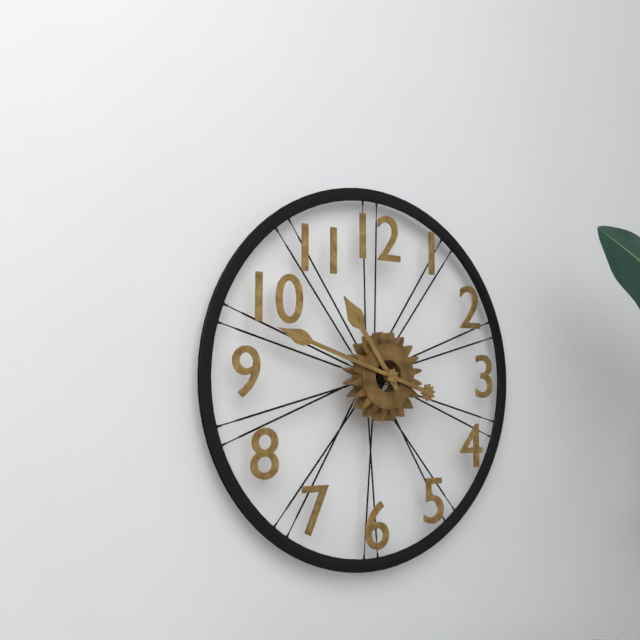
h=10 m=48
